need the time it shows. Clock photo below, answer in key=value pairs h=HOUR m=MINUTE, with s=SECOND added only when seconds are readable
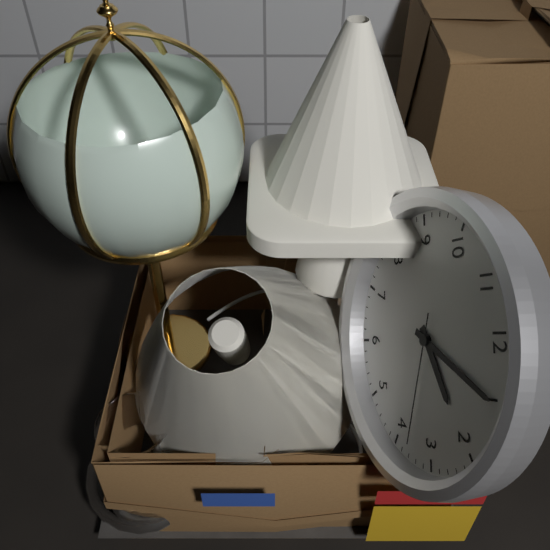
h=2 m=5 s=18
